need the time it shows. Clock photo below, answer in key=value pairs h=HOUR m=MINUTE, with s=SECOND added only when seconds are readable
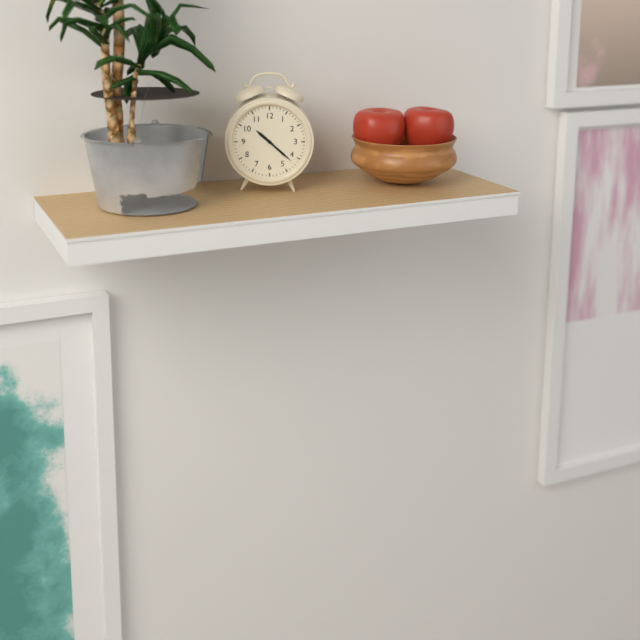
h=10 m=22
